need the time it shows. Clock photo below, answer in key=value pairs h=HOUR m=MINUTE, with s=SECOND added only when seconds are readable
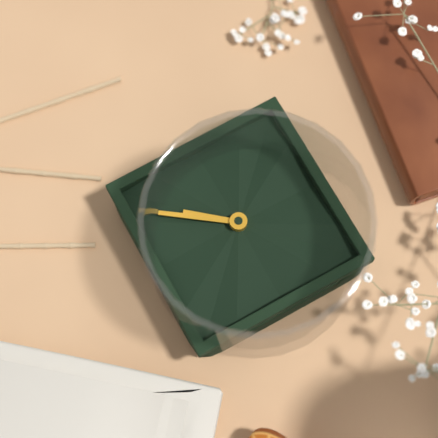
h=4 m=21
